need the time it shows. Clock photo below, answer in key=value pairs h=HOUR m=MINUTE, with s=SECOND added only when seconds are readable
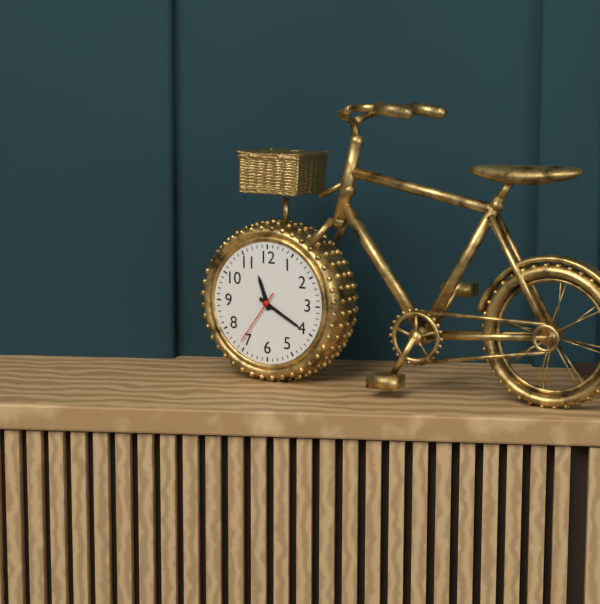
h=11 m=20 s=36
